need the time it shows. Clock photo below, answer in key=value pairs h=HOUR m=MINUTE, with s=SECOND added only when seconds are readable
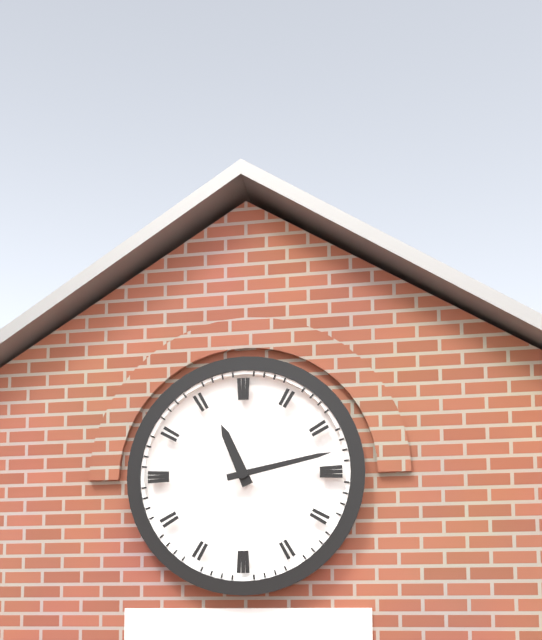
h=11 m=13
